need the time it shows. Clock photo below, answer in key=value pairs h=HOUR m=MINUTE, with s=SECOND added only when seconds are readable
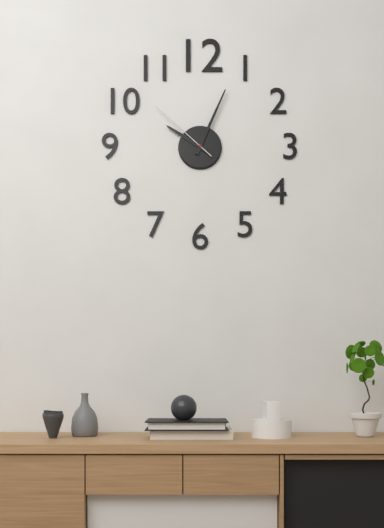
h=10 m=4 s=52
